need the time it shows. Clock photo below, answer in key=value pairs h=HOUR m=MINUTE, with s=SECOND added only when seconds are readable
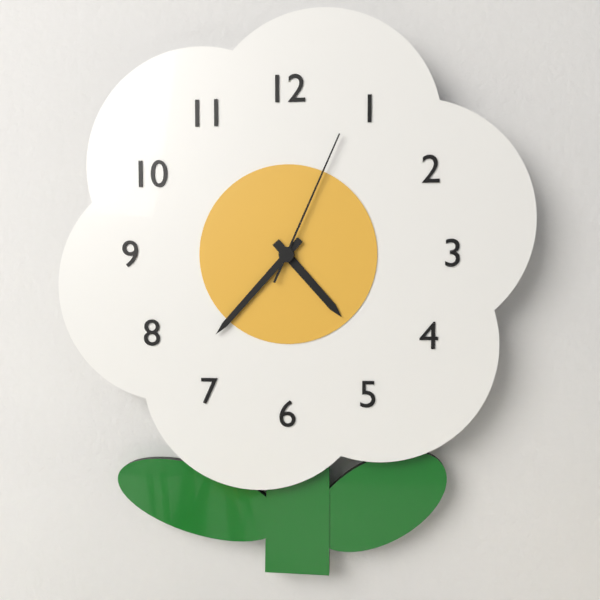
h=4 m=37 s=4
